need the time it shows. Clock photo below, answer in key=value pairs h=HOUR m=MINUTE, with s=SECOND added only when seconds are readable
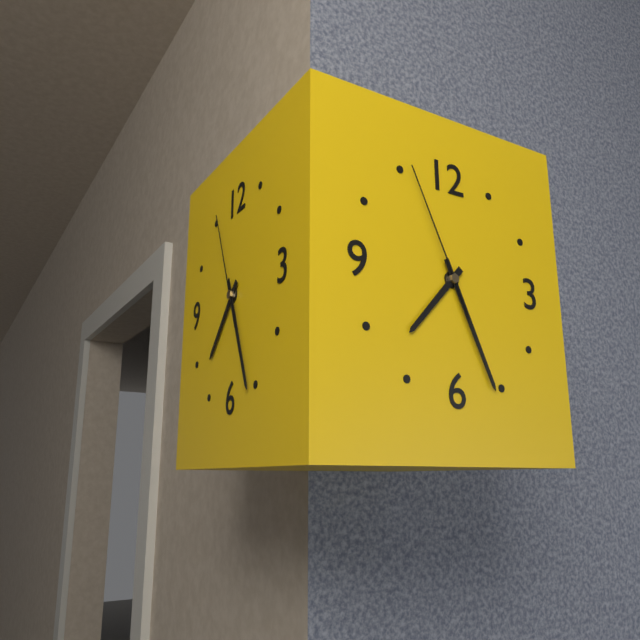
h=7 m=26 s=56
